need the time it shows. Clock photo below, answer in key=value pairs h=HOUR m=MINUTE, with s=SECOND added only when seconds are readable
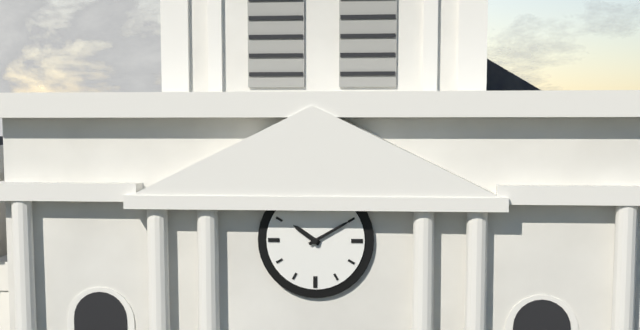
h=10 m=10
